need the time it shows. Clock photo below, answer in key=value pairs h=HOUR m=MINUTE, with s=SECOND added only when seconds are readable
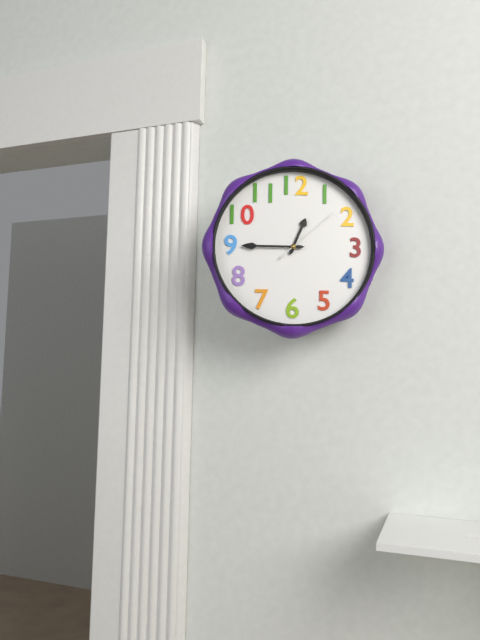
h=12 m=45 s=8
